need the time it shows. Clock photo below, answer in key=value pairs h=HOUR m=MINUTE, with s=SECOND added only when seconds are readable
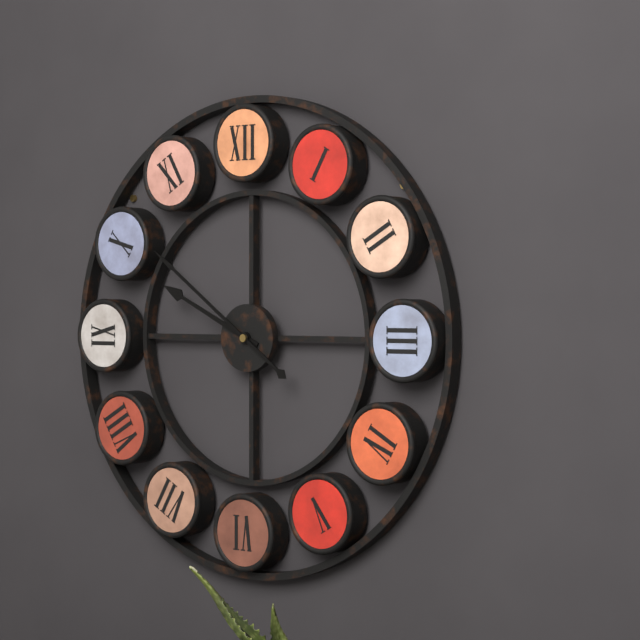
h=9 m=51
